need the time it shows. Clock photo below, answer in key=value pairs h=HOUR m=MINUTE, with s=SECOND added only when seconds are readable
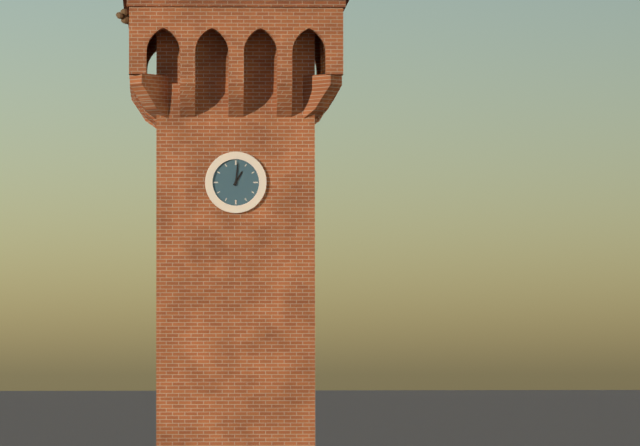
h=1 m=1
